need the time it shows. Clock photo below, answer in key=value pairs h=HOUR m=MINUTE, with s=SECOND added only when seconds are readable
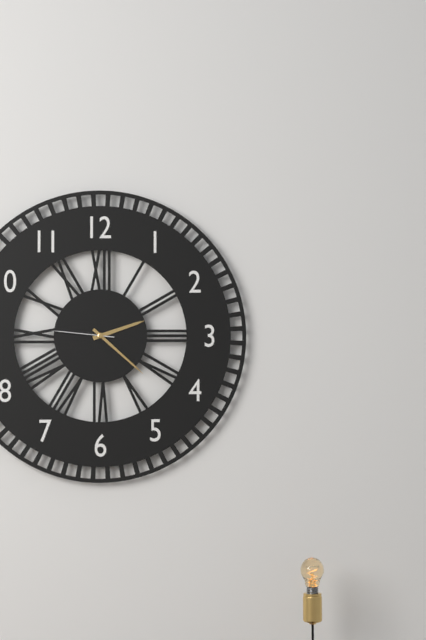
h=2 m=22 s=46
